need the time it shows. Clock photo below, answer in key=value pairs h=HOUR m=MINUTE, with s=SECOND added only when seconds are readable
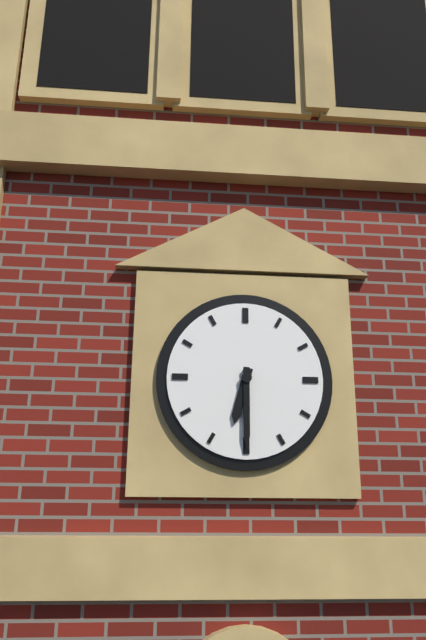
h=6 m=30
